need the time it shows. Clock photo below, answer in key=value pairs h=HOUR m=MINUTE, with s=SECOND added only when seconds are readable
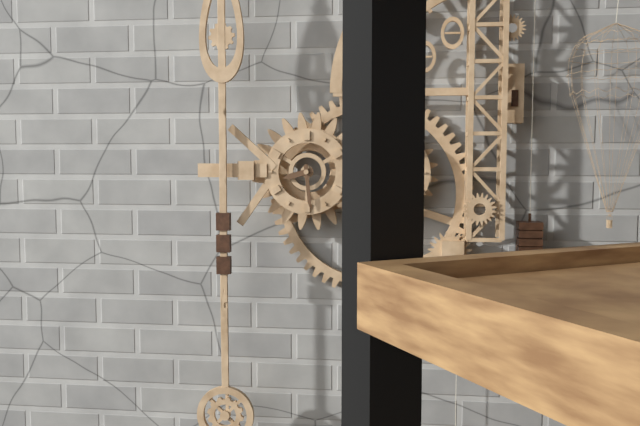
h=8 m=29
